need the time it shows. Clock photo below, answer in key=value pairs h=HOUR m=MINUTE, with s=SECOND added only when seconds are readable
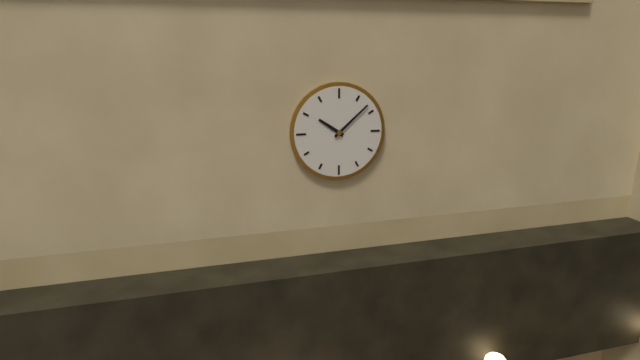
h=10 m=8
